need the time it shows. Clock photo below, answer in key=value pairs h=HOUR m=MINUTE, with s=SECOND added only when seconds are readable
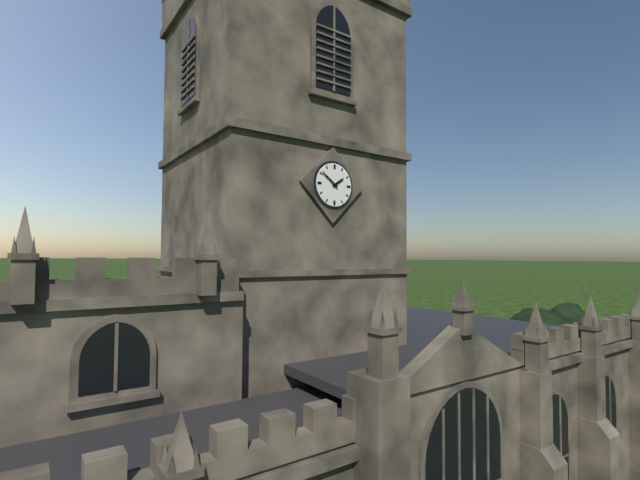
h=1 m=51
